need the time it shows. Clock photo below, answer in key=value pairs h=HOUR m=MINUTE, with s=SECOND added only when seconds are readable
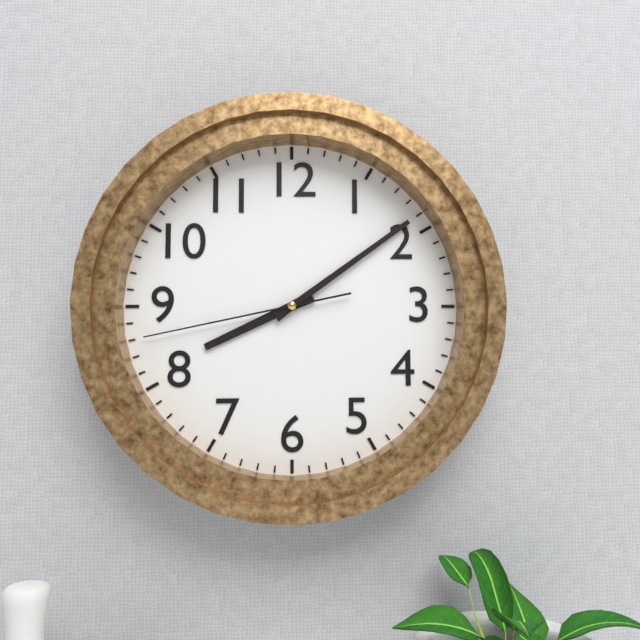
h=8 m=9 s=43
